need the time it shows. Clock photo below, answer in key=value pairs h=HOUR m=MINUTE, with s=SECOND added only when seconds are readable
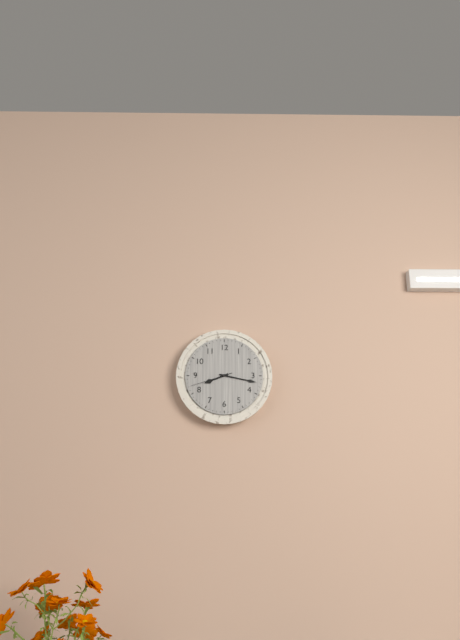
h=8 m=17
